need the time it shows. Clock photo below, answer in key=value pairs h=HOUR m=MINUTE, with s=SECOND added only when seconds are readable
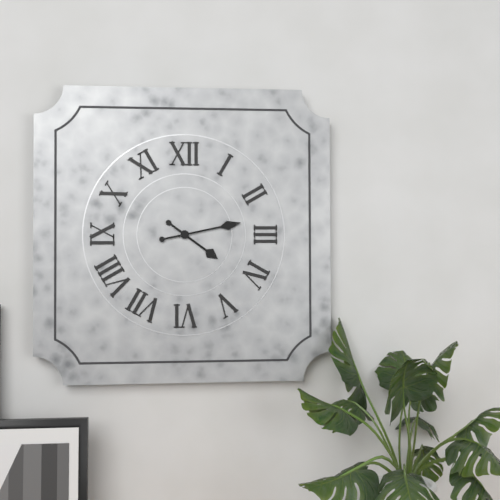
h=4 m=13
